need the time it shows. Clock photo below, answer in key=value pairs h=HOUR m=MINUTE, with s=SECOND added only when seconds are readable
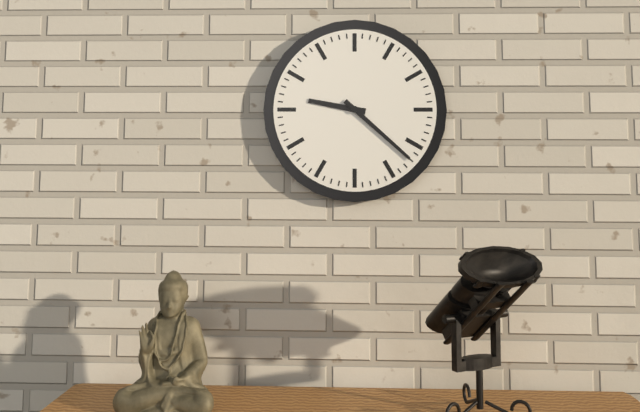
h=9 m=22
